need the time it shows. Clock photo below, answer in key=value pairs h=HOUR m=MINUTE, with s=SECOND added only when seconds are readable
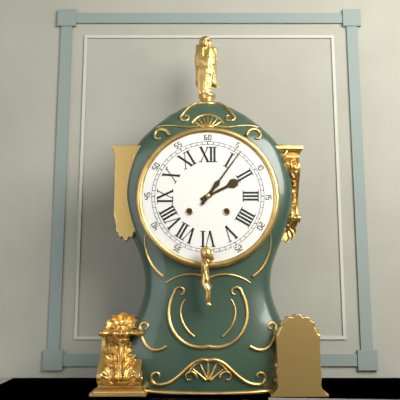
h=2 m=6
